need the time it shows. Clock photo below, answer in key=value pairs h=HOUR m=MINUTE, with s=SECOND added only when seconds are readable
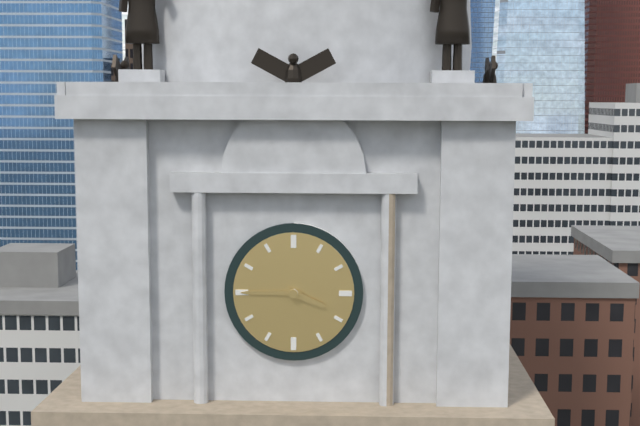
h=3 m=45
